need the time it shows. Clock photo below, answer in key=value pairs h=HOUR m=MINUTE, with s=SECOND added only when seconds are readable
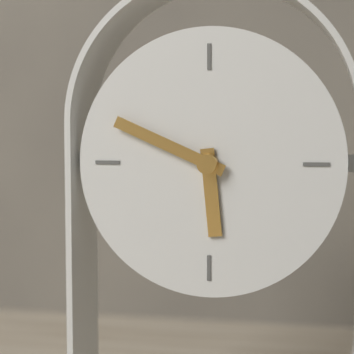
h=5 m=49
